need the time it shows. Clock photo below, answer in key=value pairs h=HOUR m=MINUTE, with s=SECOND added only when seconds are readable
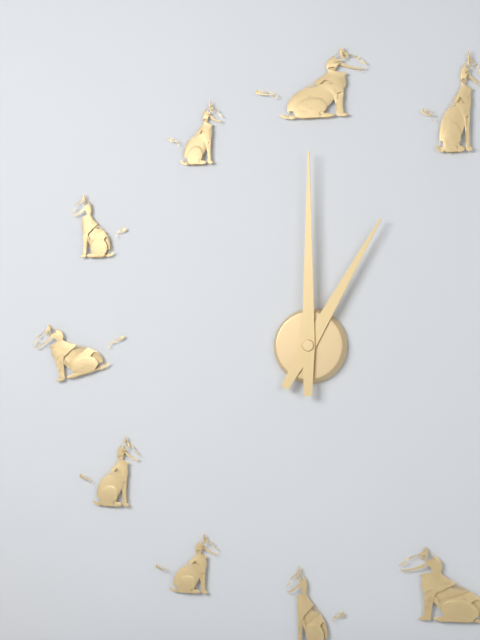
h=1 m=0
